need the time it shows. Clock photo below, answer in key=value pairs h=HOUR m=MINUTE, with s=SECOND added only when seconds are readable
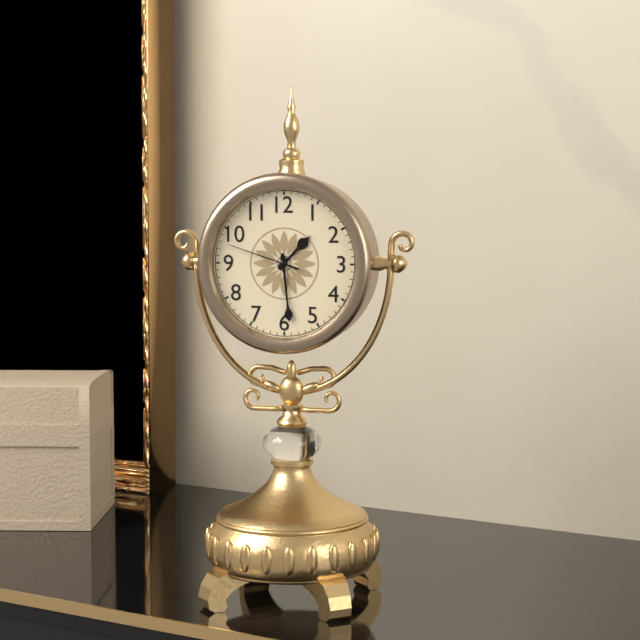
h=1 m=29 s=48
